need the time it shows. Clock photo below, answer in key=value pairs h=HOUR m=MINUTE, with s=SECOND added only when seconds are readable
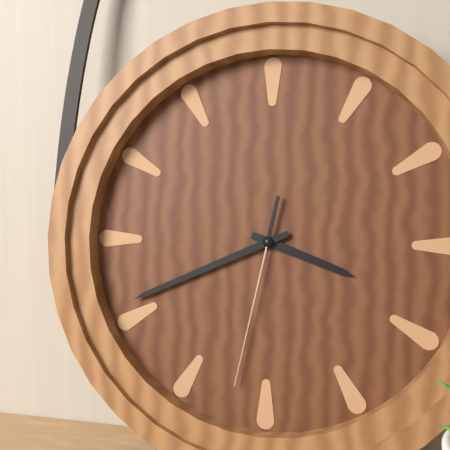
h=3 m=41 s=32
